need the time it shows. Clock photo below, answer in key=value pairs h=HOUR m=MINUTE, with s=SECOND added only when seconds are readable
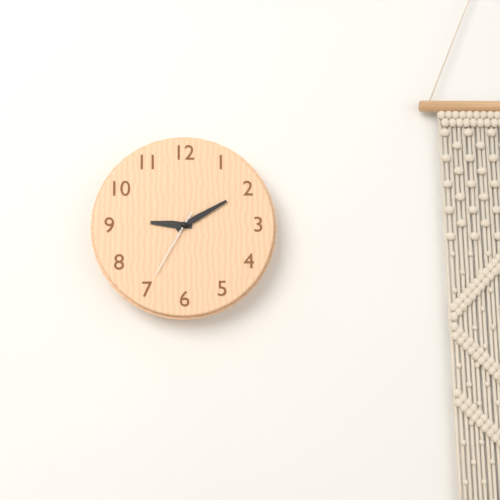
h=9 m=10 s=35
